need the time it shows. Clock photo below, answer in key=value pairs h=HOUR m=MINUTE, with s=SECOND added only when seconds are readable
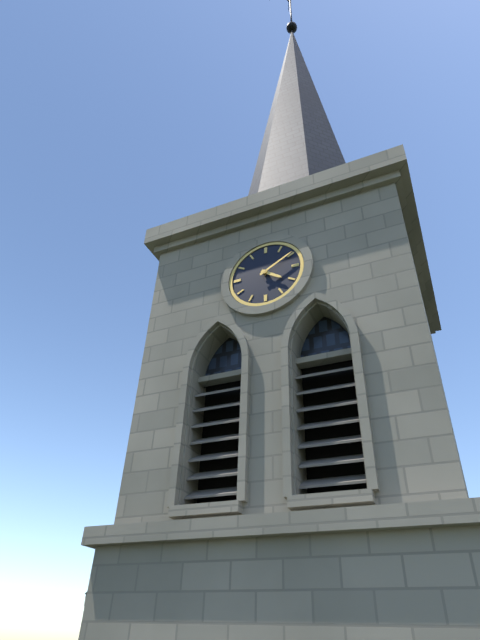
h=4 m=10
